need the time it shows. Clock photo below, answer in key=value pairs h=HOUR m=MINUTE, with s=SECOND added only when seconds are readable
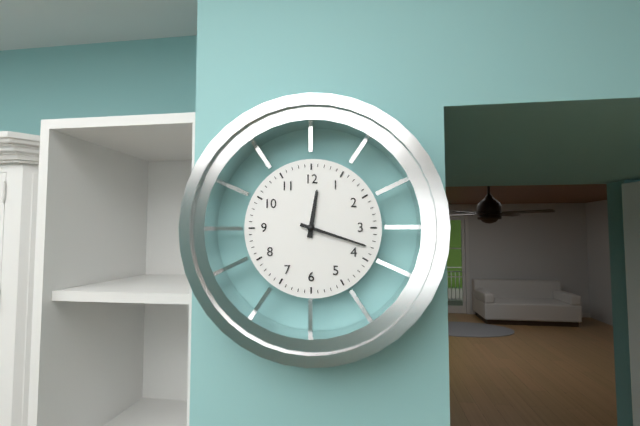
h=12 m=18
